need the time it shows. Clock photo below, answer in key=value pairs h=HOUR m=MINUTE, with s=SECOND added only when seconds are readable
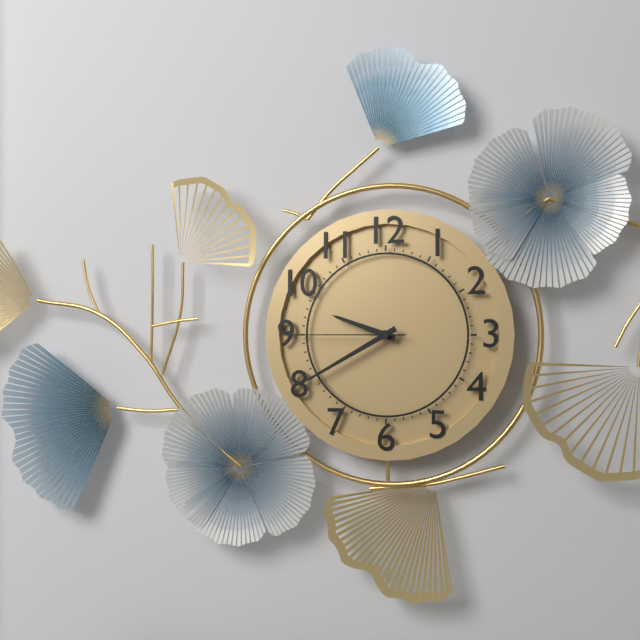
h=9 m=40 s=45
